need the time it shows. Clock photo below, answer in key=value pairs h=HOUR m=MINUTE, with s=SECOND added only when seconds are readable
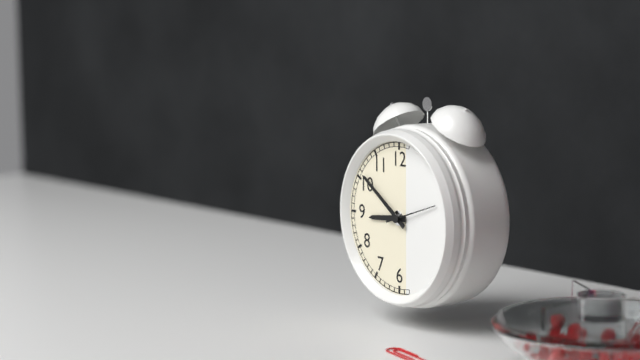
h=8 m=51
